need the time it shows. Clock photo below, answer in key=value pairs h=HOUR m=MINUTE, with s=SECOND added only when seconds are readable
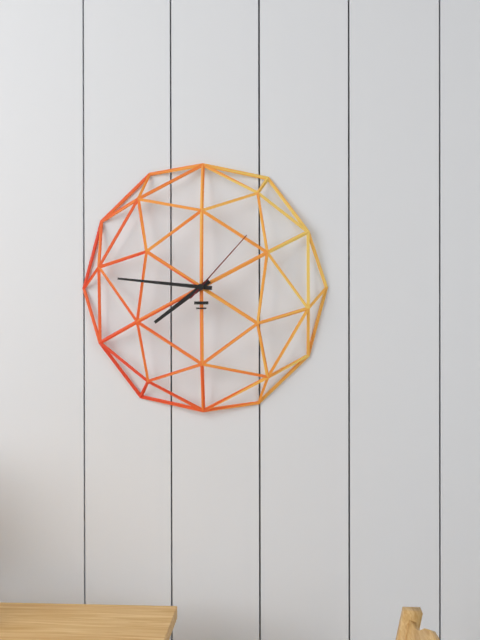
h=7 m=46 s=7
